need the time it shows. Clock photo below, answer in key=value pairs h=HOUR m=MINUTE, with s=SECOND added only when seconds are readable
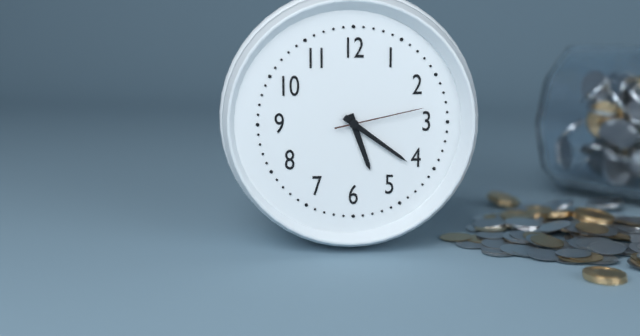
h=5 m=21 s=13
